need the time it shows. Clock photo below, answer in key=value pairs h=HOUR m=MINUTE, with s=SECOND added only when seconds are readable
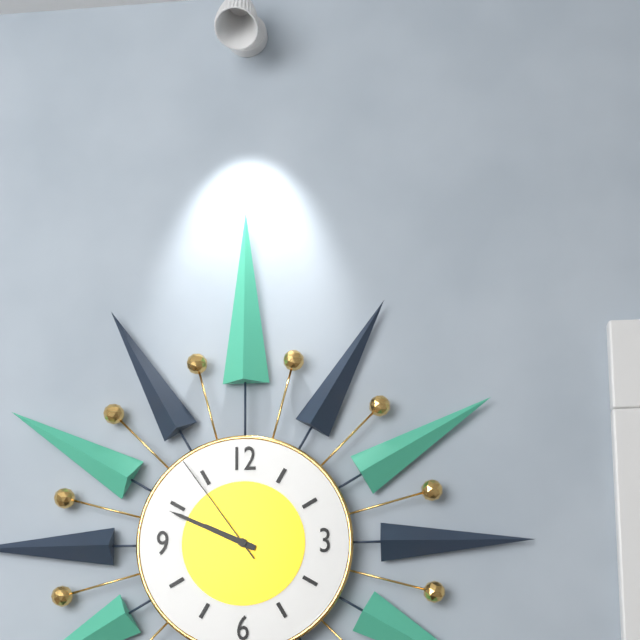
h=9 m=49 s=54
